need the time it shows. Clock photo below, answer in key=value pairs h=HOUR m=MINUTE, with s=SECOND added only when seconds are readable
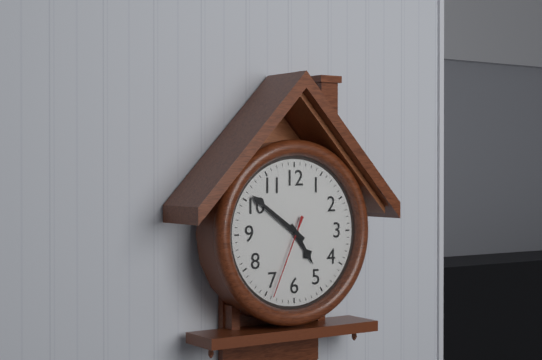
h=4 m=51 s=34
